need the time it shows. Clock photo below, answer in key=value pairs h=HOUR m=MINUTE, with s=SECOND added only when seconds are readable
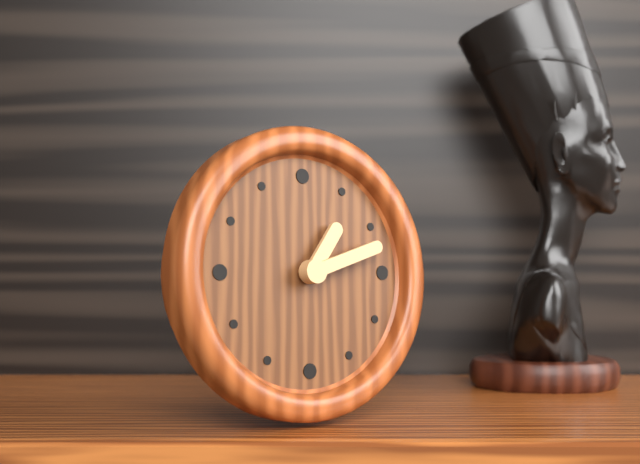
h=1 m=12
